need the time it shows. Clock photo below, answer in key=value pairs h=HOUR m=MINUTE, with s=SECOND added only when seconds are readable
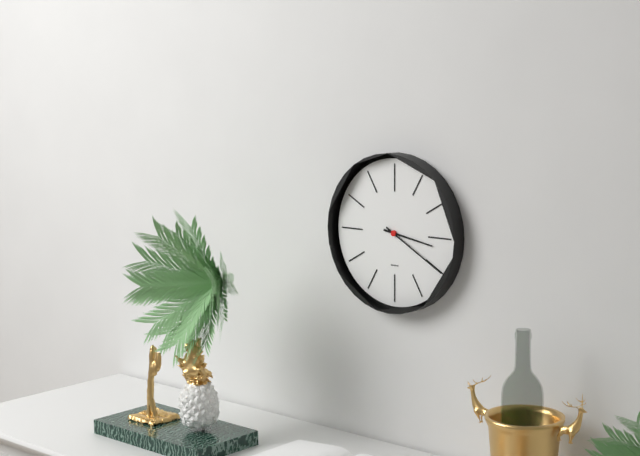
h=3 m=20
